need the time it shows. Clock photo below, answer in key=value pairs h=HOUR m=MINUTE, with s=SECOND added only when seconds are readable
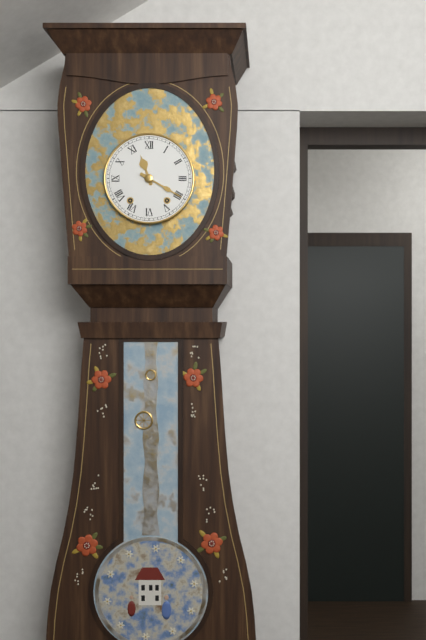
h=11 m=20
